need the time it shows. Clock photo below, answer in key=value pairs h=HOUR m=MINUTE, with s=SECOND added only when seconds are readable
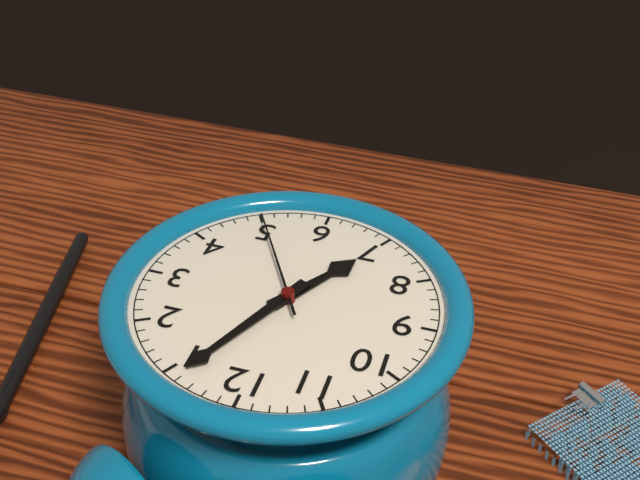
h=7 m=4 s=25
